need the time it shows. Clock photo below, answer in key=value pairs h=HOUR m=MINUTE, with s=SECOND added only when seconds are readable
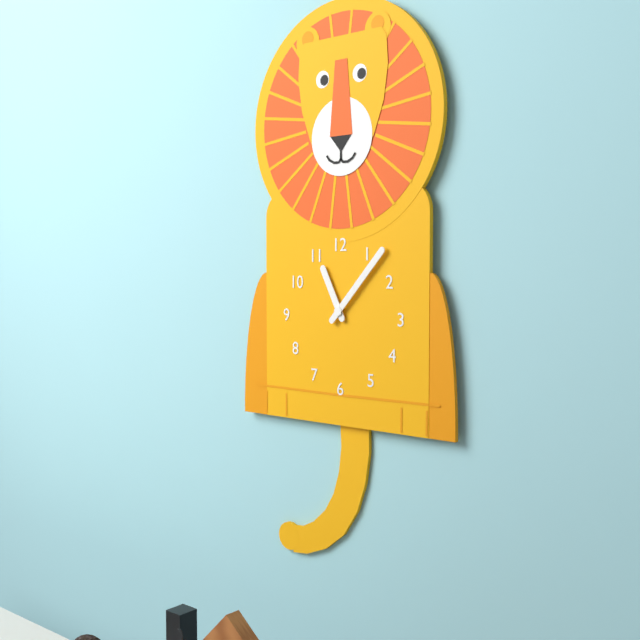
h=11 m=7
